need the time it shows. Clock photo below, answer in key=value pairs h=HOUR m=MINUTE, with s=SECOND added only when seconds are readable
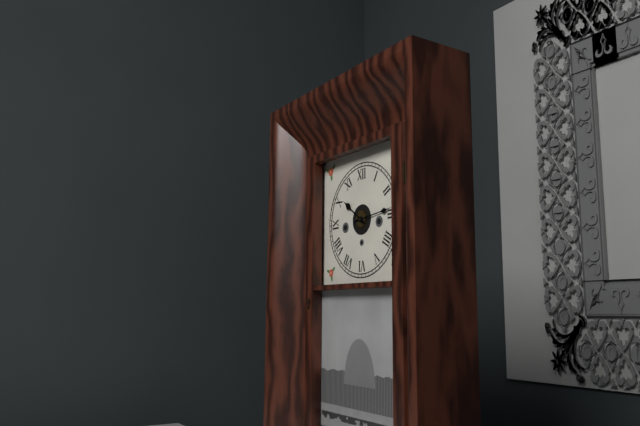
h=10 m=14
